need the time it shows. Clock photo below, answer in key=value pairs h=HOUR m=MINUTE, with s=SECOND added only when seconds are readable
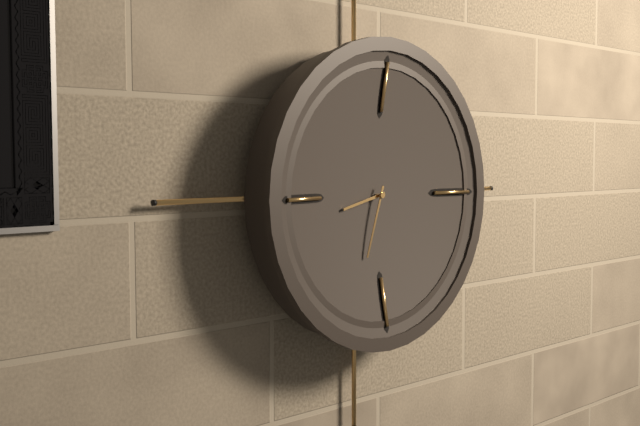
h=8 m=33
